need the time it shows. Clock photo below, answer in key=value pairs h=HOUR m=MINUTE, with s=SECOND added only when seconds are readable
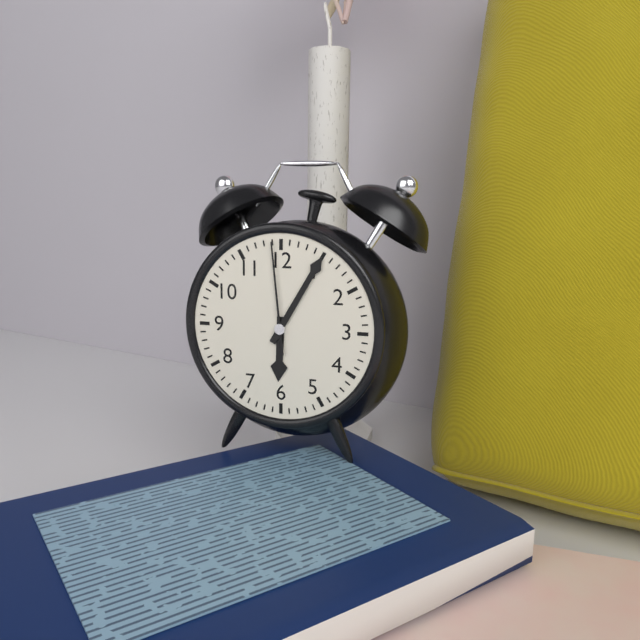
h=6 m=5 s=59
